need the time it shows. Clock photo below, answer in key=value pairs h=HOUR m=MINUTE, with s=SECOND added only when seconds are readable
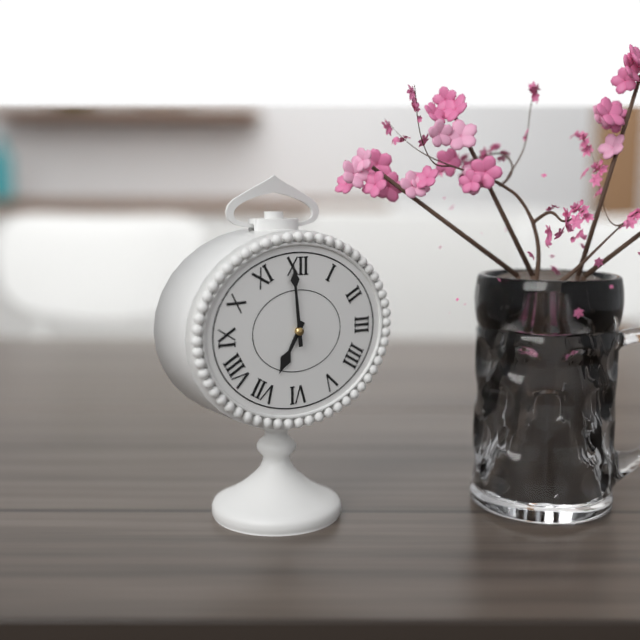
h=6 m=59
